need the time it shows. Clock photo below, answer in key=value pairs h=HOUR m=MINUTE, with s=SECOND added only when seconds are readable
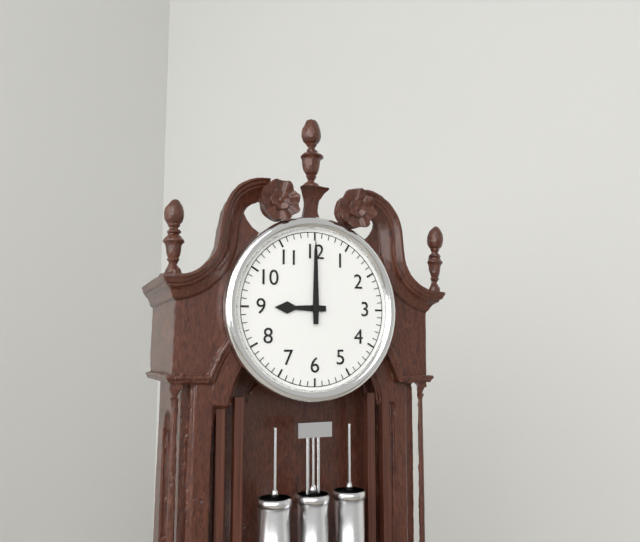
h=9 m=0
